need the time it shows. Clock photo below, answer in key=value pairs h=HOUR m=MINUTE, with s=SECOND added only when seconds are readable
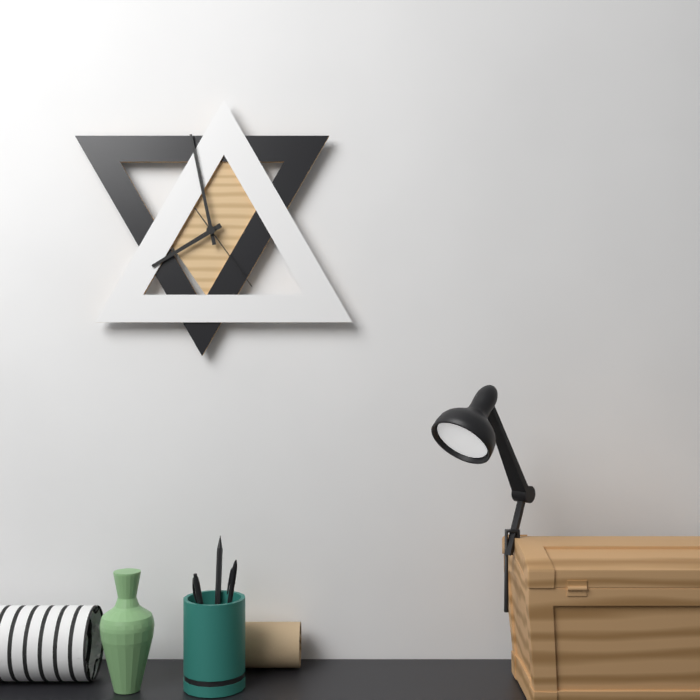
h=7 m=58 s=24
